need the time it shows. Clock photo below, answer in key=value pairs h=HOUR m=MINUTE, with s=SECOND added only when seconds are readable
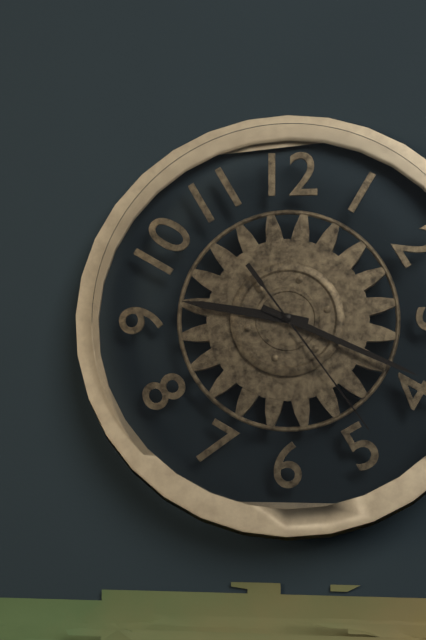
h=9 m=19 s=24
